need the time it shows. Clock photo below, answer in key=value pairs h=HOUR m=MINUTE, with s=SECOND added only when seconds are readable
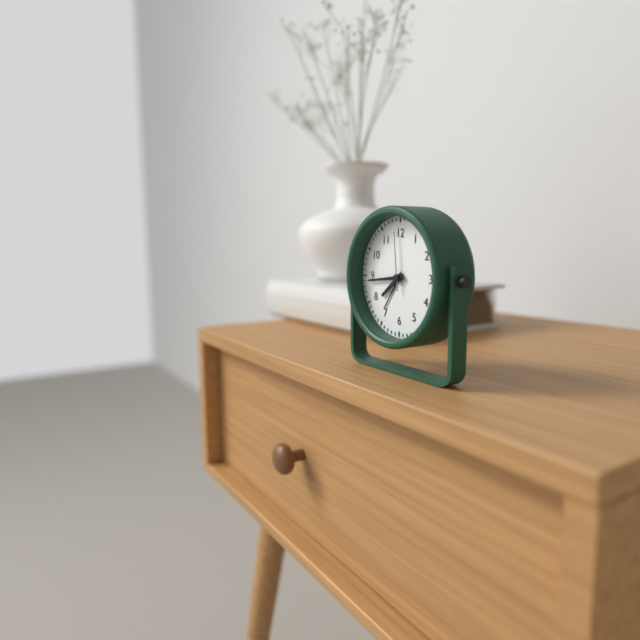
h=7 m=44 s=59
